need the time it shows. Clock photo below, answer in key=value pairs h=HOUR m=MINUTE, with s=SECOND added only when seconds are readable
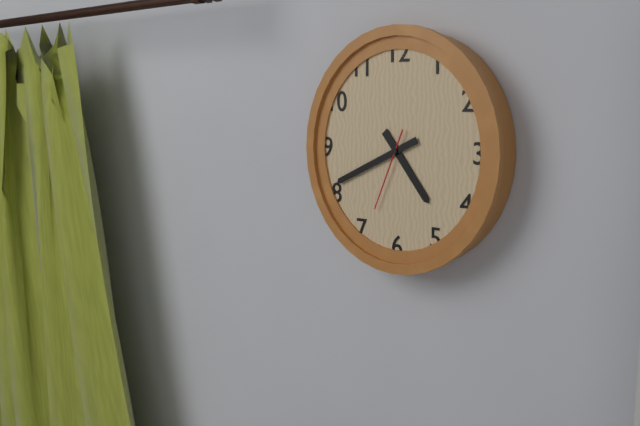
h=4 m=41 s=34
